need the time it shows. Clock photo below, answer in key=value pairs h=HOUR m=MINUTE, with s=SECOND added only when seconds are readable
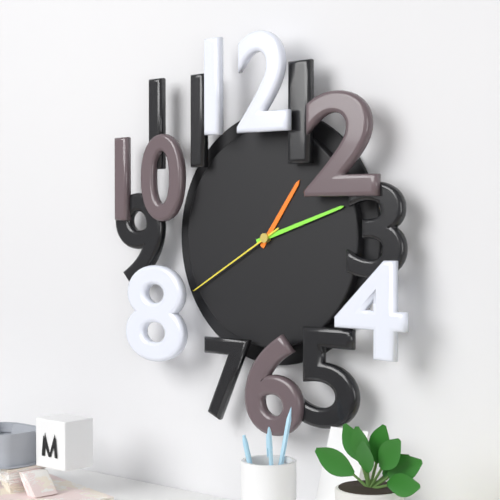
h=1 m=12 s=40
